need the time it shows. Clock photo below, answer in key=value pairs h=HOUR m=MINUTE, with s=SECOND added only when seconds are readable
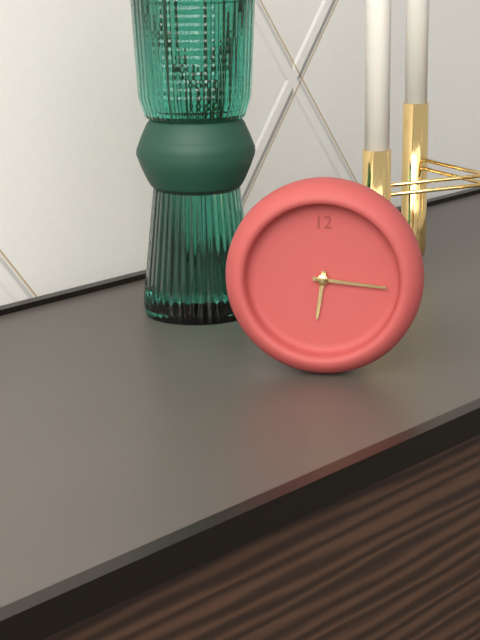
h=6 m=16
